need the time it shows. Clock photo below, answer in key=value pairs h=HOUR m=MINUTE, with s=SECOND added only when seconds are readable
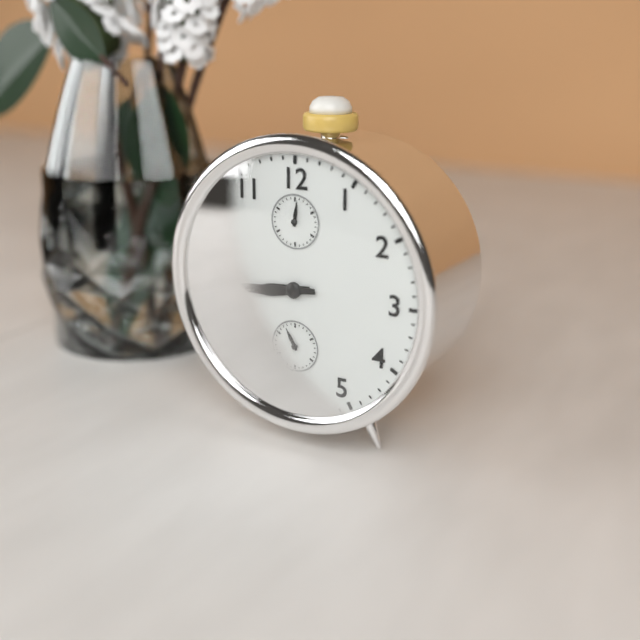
h=8 m=44
